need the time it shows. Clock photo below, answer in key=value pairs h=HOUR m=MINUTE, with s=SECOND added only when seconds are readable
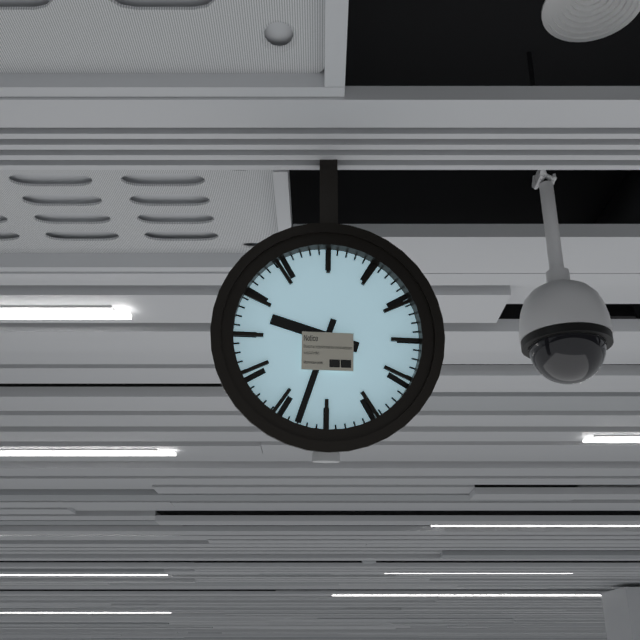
h=9 m=33
